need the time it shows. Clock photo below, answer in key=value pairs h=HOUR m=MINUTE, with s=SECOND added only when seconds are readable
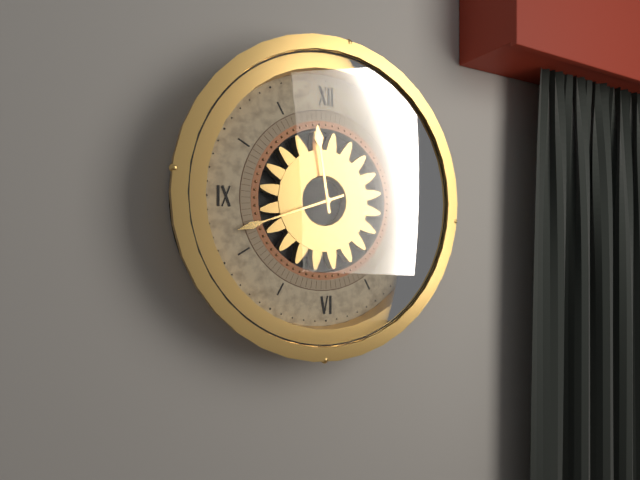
h=11 m=42
